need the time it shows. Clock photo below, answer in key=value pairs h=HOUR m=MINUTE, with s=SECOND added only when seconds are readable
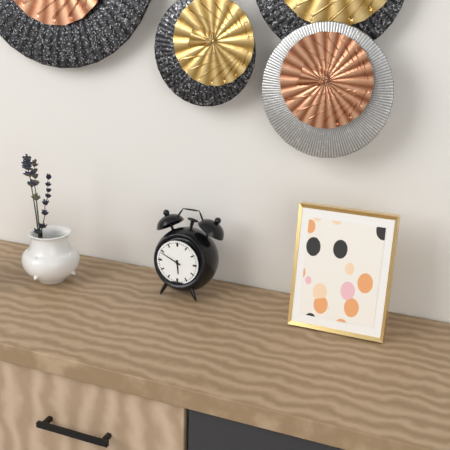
h=5 m=49
